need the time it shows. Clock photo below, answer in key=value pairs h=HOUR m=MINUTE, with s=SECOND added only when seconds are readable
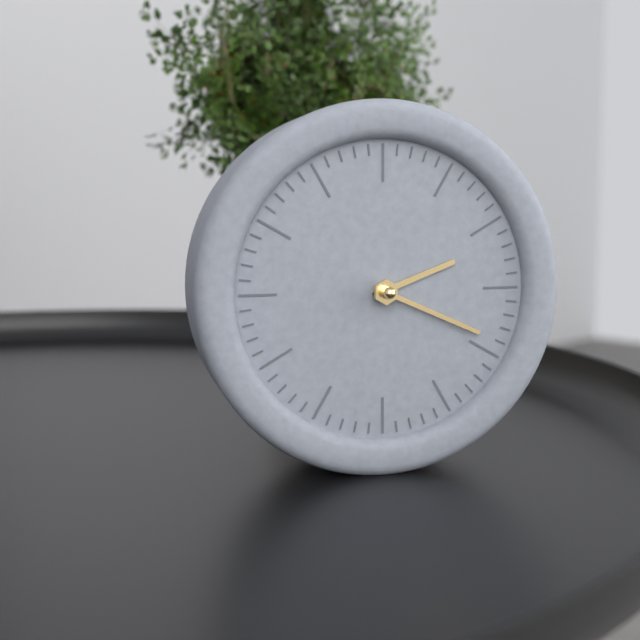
h=2 m=19
